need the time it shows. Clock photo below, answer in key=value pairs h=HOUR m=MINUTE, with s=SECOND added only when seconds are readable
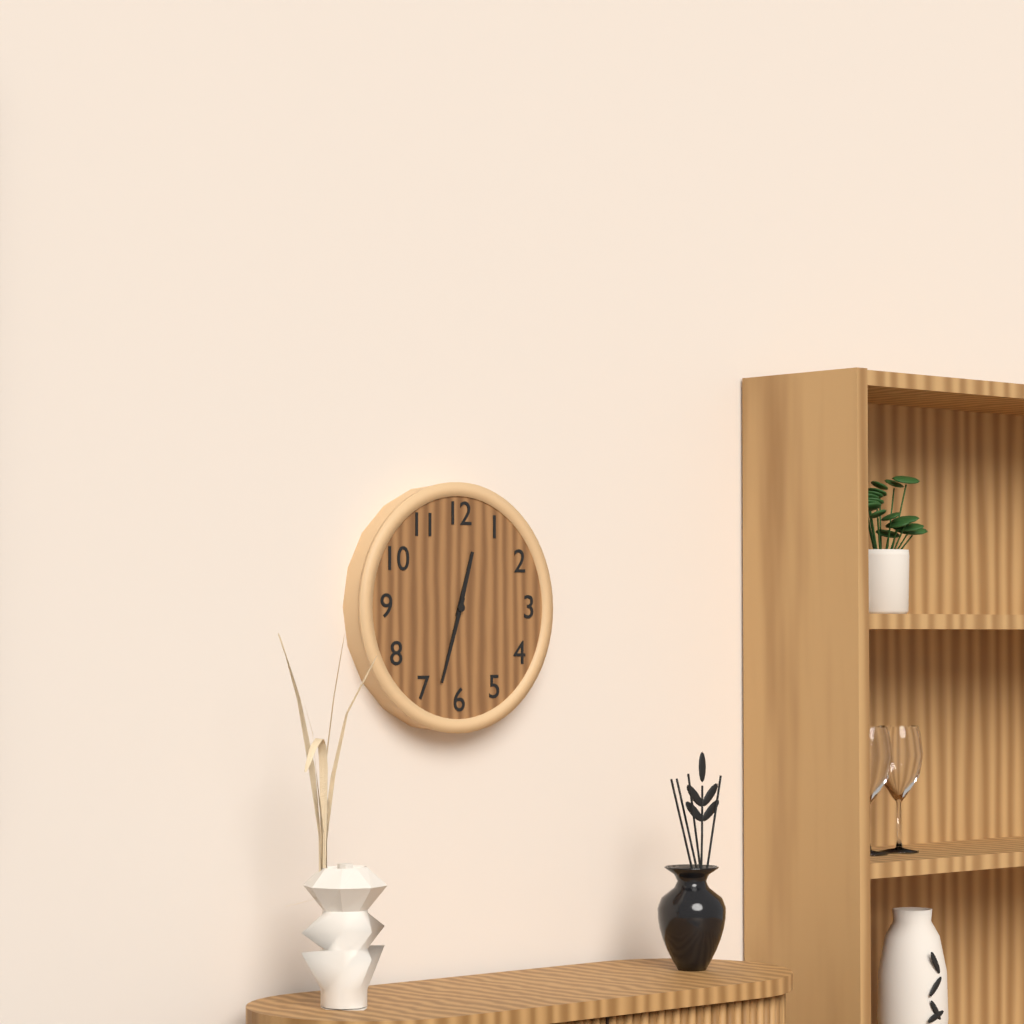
h=12 m=33
